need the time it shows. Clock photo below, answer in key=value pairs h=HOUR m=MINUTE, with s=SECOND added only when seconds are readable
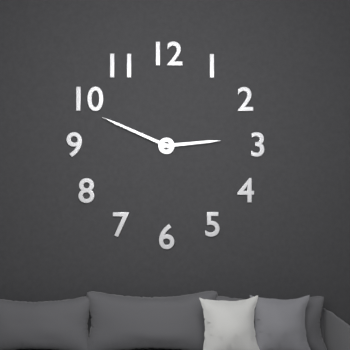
h=2 m=49
